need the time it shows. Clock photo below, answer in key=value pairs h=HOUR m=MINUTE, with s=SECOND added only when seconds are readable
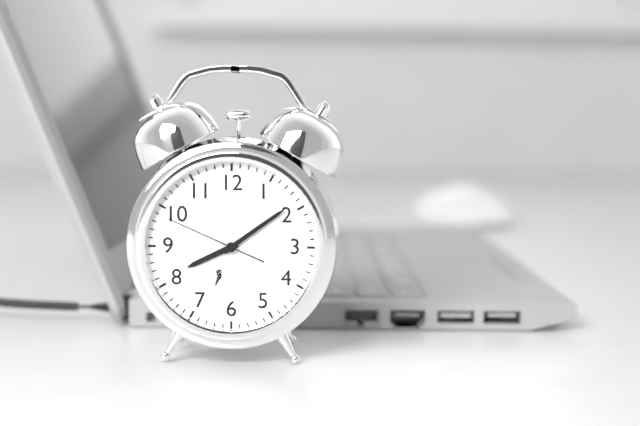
h=8 m=9 s=49
